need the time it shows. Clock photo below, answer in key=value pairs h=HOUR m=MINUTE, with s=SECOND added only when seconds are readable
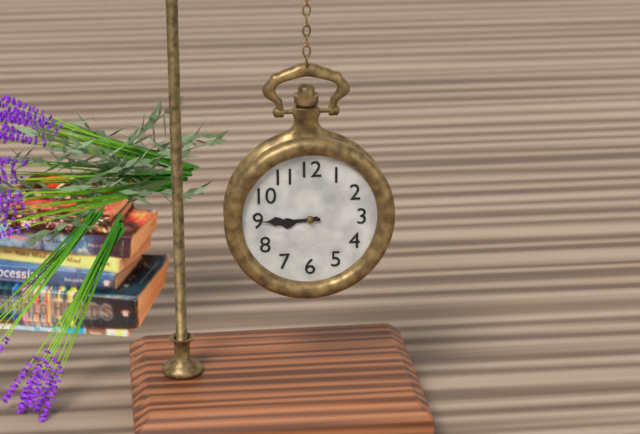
h=8 m=45
